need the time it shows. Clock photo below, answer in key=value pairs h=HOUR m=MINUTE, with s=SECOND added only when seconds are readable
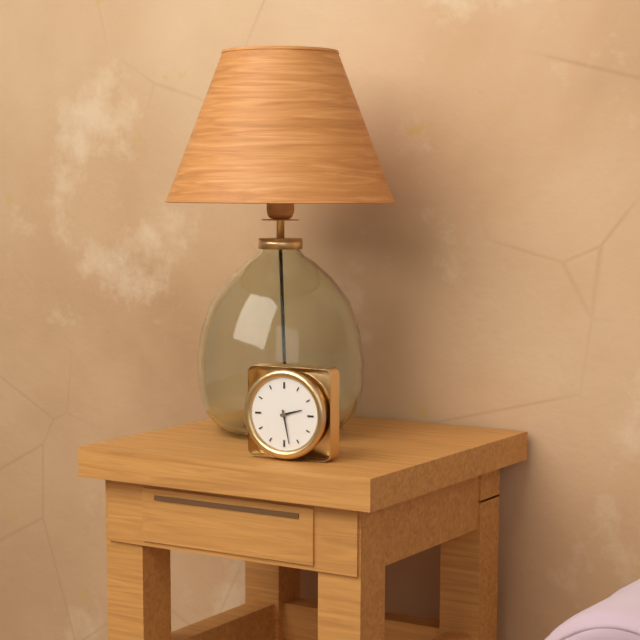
h=2 m=28
